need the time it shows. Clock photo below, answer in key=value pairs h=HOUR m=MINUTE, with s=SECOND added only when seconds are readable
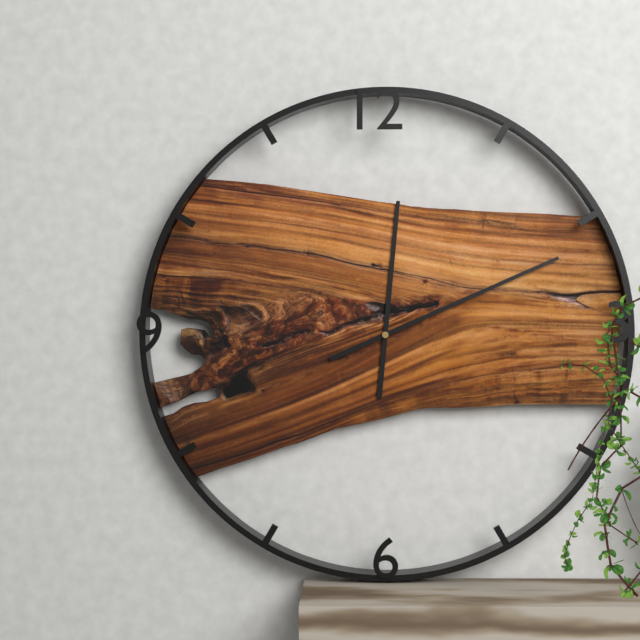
h=12 m=11
